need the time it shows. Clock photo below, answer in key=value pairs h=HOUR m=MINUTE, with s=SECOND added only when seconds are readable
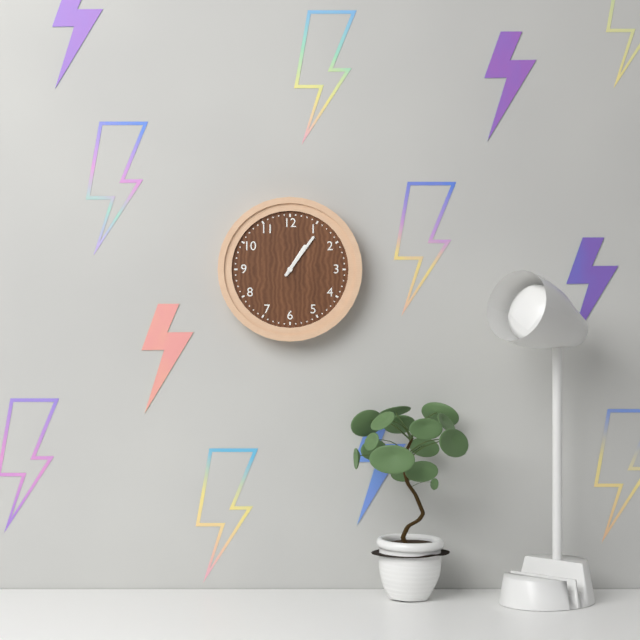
h=1 m=6
